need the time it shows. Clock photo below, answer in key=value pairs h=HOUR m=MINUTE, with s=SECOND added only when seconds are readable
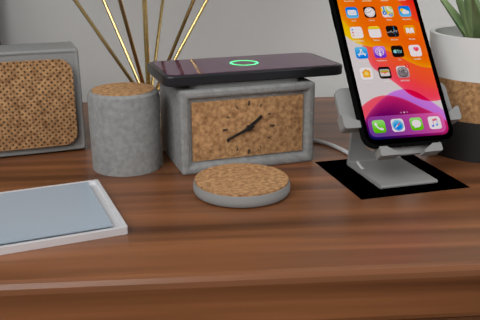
h=1 m=41
